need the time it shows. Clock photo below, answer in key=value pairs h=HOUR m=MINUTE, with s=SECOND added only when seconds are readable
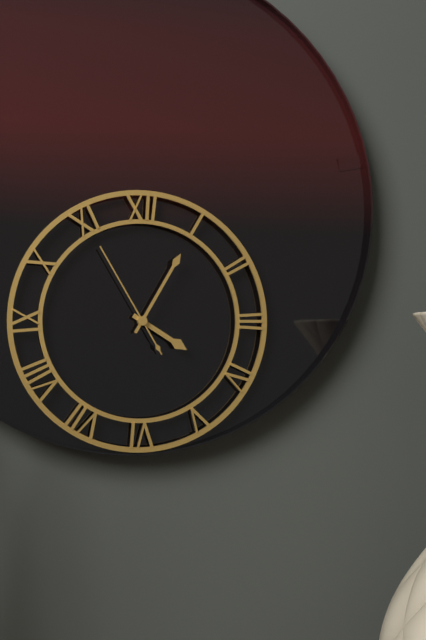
h=4 m=5 s=55
